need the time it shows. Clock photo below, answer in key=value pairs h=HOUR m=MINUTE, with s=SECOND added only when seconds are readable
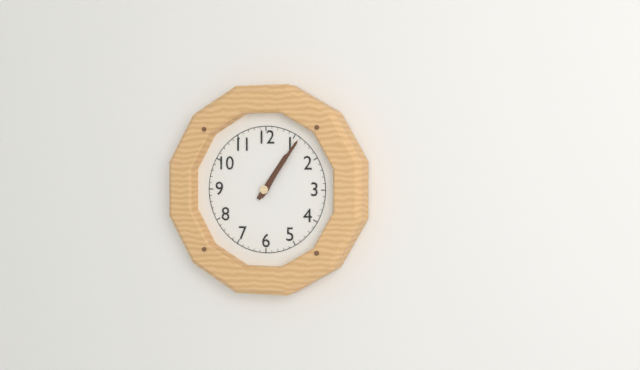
h=1 m=6
